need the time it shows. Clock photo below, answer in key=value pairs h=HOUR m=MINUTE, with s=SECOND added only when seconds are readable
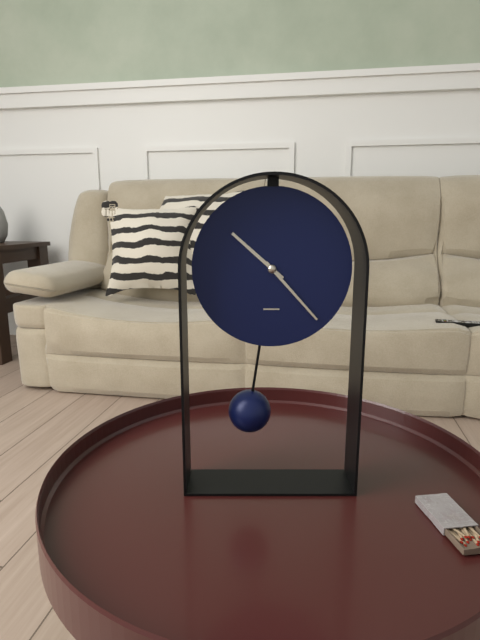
h=10 m=23
